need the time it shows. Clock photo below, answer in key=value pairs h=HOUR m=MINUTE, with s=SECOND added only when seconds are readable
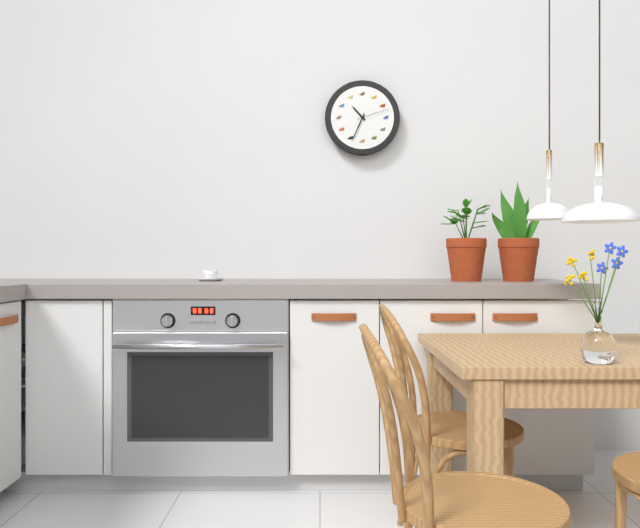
h=10 m=34
